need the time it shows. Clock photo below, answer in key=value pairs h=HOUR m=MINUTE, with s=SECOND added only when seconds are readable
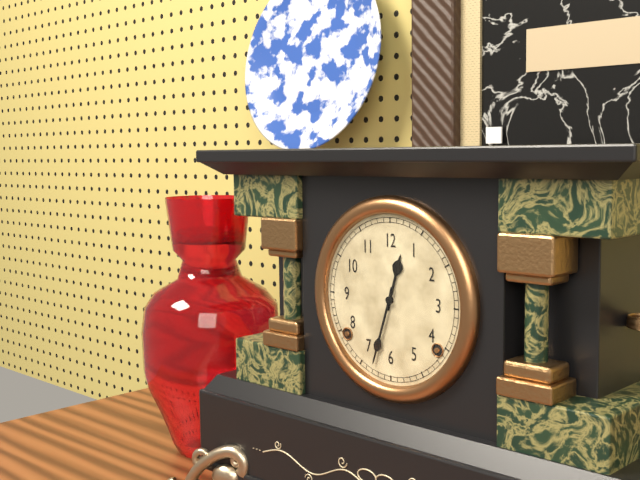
h=12 m=33
